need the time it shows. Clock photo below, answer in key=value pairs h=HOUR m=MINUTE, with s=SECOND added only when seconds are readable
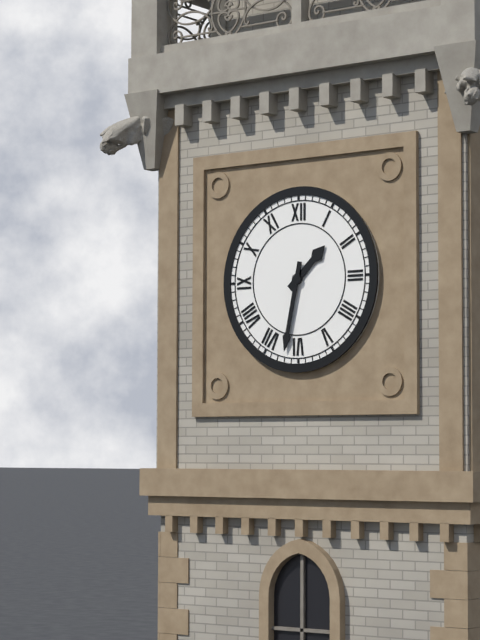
h=1 m=32
